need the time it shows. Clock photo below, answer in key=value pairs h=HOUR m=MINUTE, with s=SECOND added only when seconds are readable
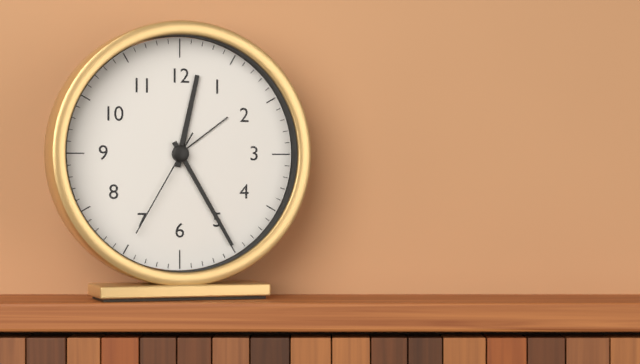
h=12 m=25 s=35
